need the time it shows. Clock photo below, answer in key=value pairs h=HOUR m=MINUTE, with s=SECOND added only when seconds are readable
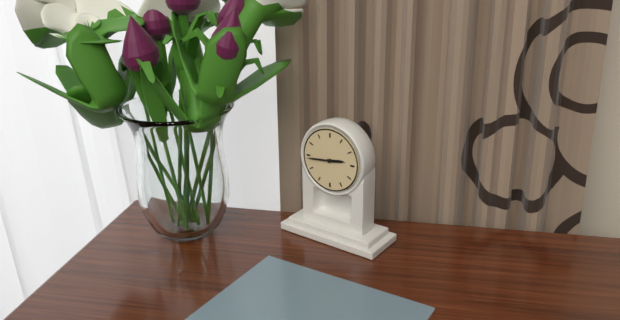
h=2 m=44
